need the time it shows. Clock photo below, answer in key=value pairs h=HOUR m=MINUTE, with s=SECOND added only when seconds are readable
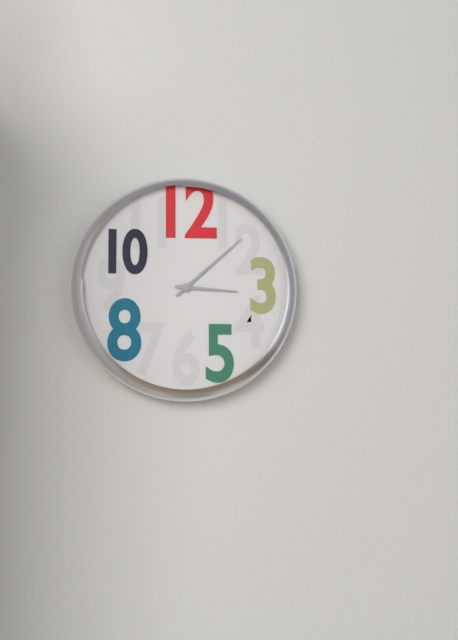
h=3 m=8
